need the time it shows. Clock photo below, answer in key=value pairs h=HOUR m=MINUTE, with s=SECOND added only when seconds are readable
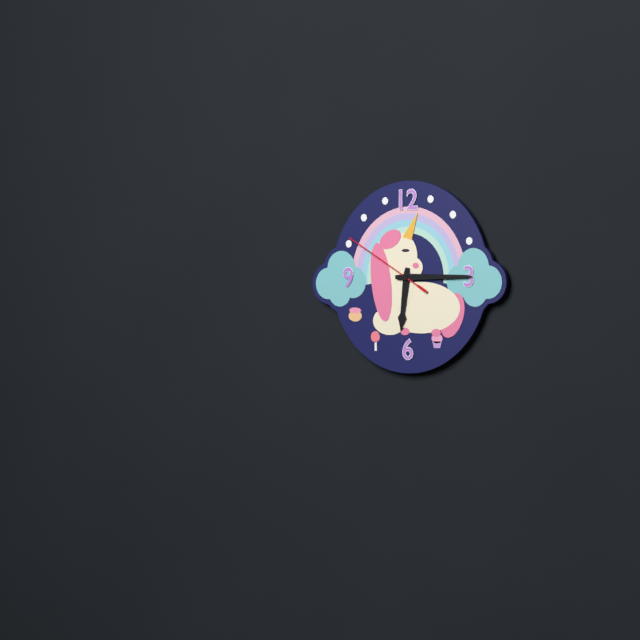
h=6 m=15 s=50
